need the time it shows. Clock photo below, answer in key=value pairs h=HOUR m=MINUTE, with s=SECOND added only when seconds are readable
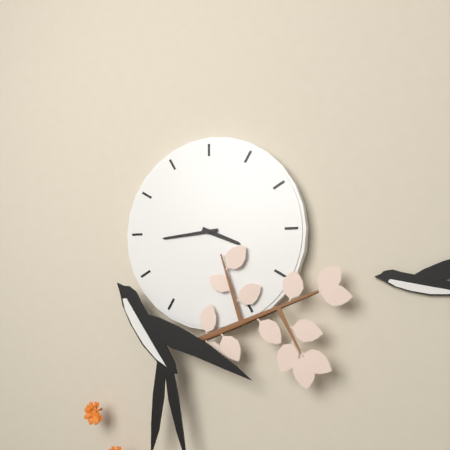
h=3 m=44
